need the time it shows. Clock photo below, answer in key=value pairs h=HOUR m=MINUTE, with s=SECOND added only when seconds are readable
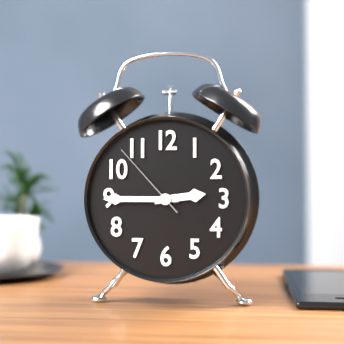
h=2 m=45 s=53
